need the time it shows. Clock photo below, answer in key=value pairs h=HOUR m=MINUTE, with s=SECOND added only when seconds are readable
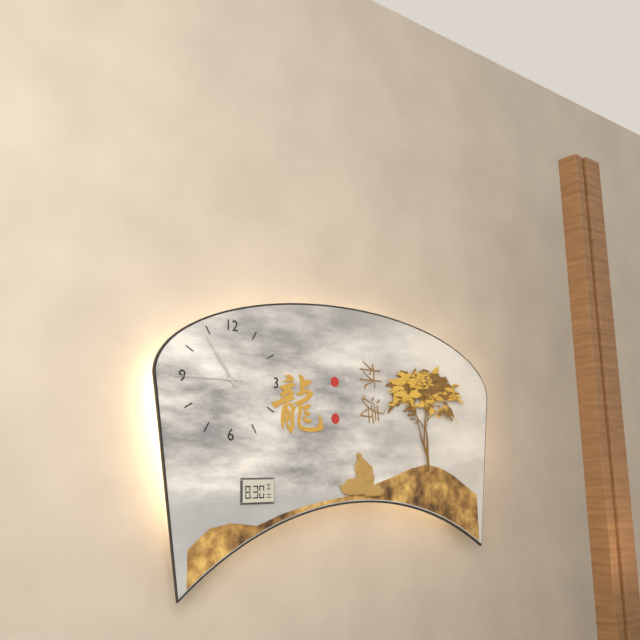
h=10 m=54 s=45
